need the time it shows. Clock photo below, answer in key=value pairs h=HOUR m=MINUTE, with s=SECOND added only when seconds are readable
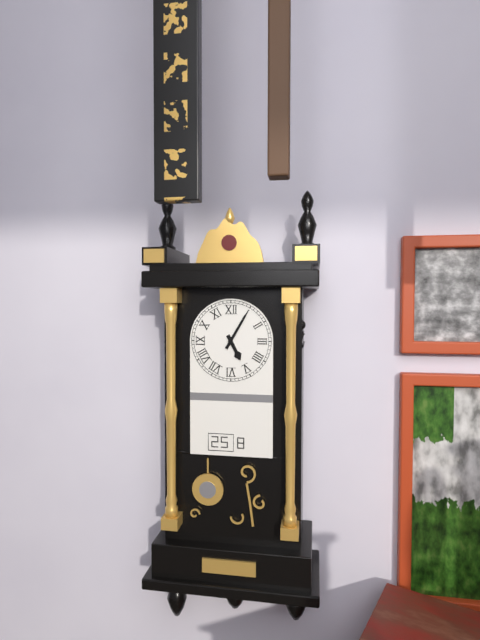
h=5 m=5
